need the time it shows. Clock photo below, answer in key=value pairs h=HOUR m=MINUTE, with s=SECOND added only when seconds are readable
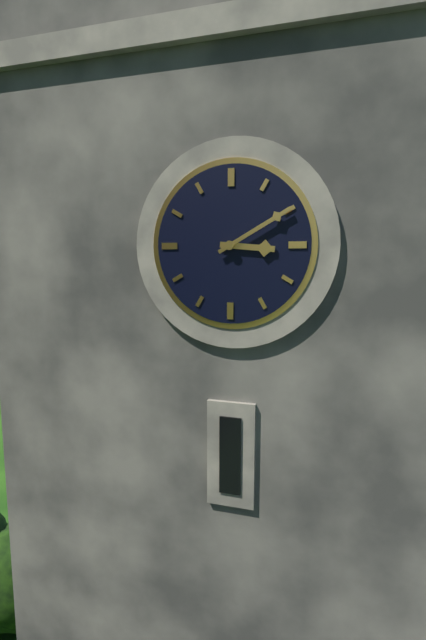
h=3 m=10
